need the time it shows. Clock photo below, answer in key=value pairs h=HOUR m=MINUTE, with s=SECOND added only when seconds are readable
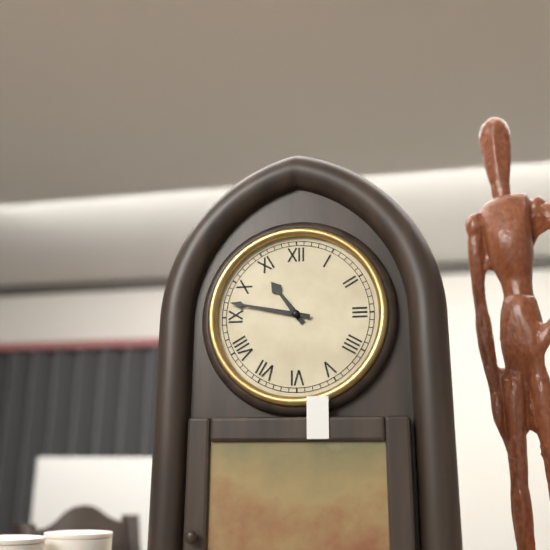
h=10 m=47
